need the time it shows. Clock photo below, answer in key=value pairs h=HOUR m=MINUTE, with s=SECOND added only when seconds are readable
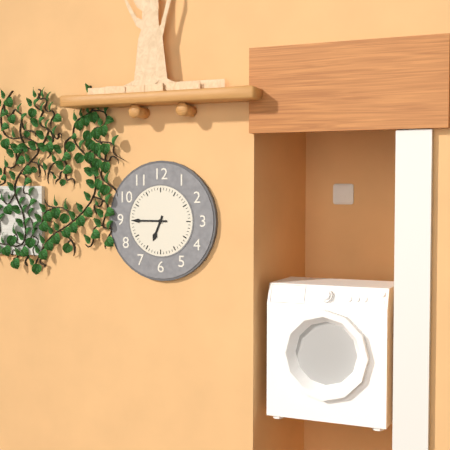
h=6 m=45
